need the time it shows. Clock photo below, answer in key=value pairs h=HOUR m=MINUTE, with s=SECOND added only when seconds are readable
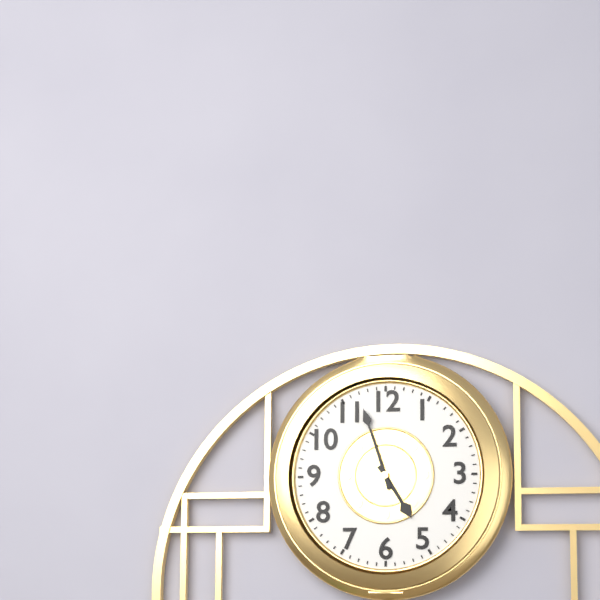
h=4 m=57
